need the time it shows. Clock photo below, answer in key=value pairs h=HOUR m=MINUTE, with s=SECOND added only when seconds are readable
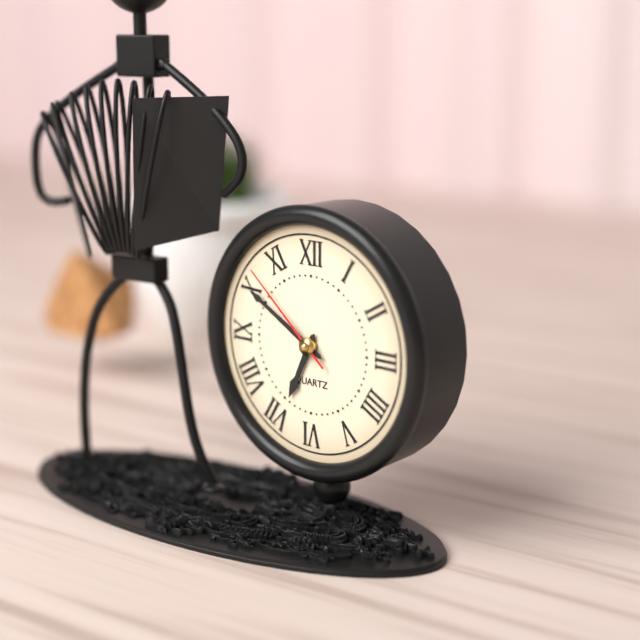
h=6 m=50 s=52
